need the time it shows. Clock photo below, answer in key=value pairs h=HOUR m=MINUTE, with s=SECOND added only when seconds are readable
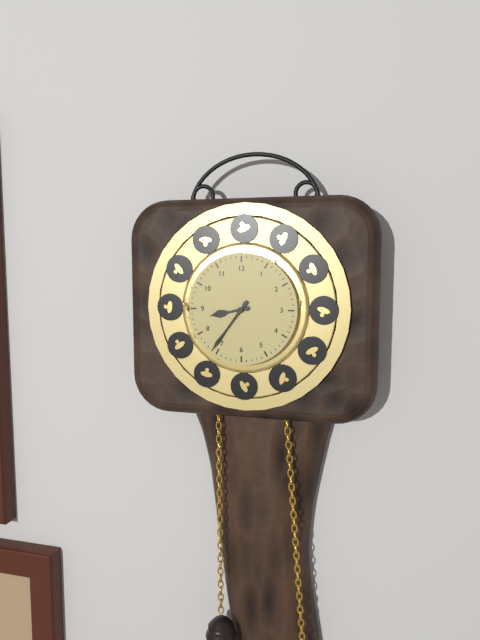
h=8 m=36
